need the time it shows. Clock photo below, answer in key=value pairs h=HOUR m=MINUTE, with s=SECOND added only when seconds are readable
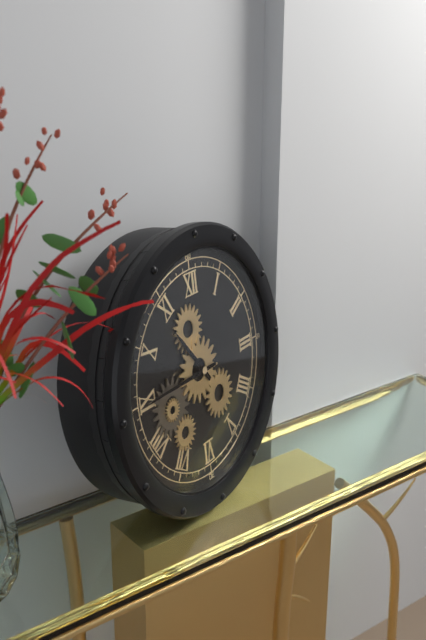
h=10 m=45
